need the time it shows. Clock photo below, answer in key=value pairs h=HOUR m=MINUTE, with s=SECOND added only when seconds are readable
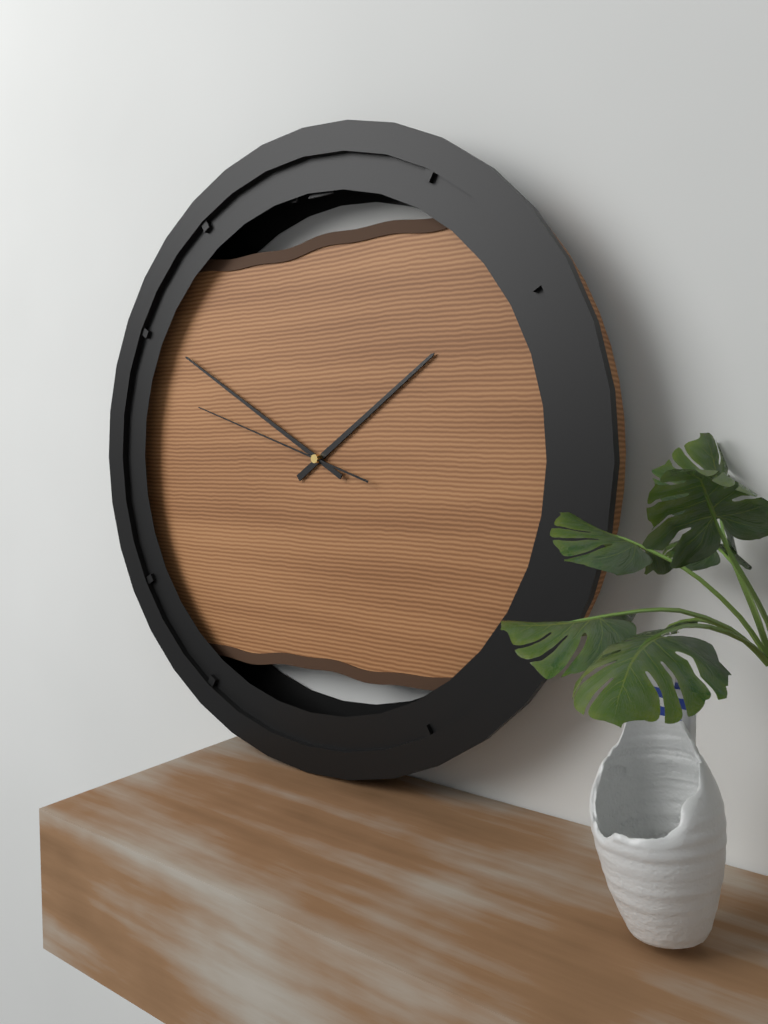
h=1 m=50 s=48
